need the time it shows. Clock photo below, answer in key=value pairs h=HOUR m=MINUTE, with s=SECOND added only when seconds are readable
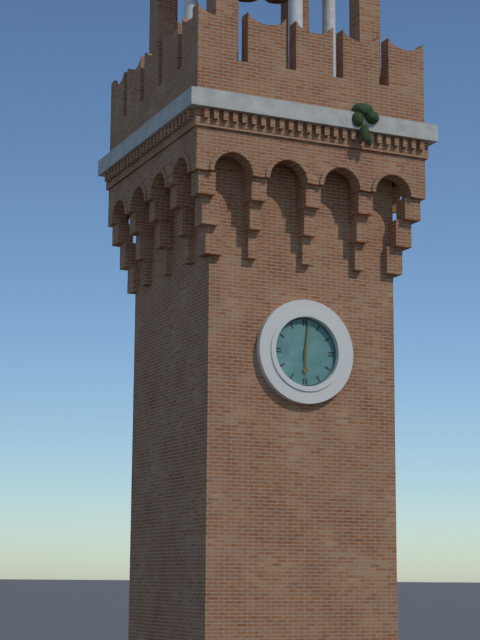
h=6 m=1
